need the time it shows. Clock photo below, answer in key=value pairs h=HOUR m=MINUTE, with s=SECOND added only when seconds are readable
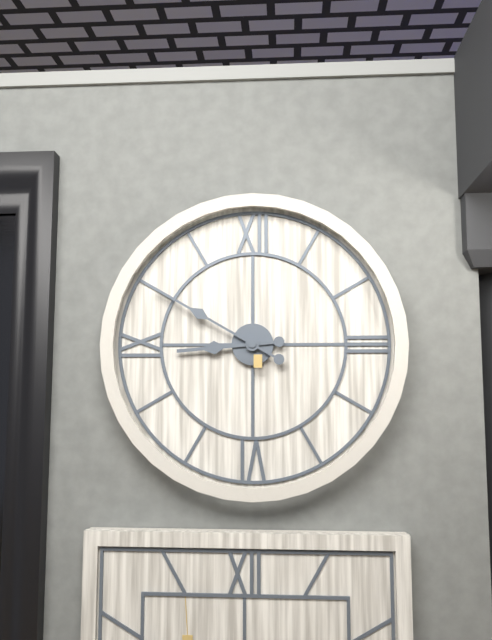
h=8 m=50
